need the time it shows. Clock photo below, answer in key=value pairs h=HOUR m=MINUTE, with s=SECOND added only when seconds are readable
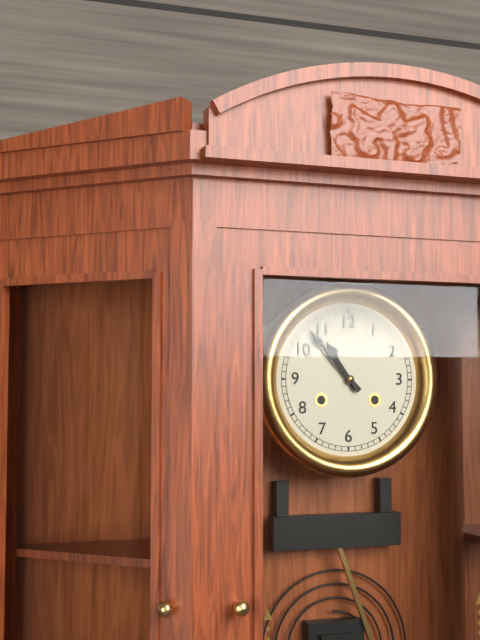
h=10 m=53
